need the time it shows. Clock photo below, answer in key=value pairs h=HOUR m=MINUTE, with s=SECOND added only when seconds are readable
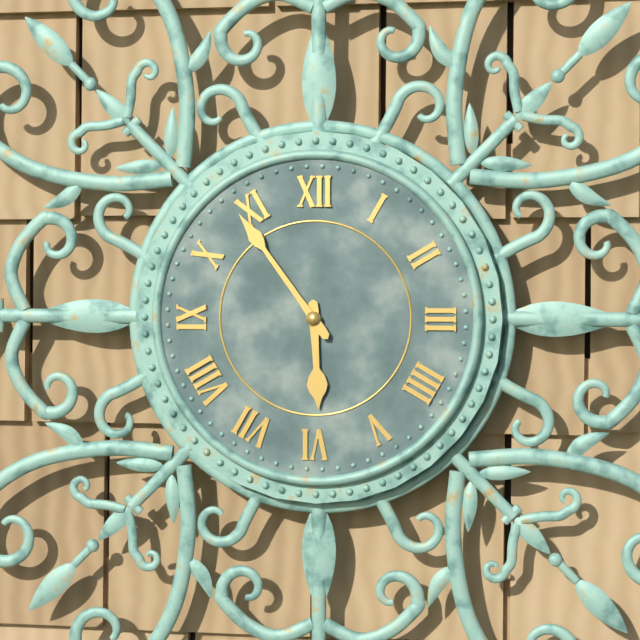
h=5 m=54
